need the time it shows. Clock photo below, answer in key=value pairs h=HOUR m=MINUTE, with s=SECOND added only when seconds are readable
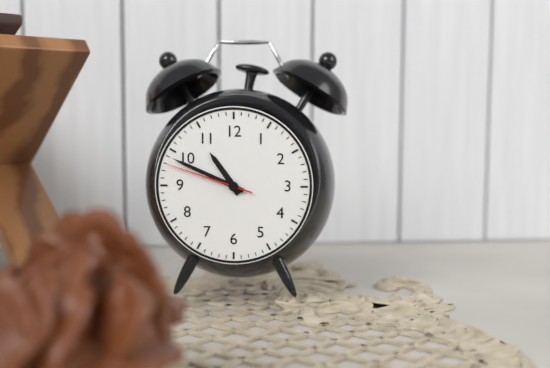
h=10 m=49 s=48
